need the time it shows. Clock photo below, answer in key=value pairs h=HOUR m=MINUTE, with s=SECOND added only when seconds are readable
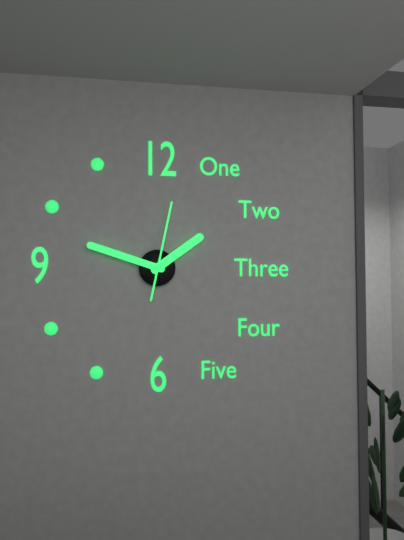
h=1 m=48 s=2
